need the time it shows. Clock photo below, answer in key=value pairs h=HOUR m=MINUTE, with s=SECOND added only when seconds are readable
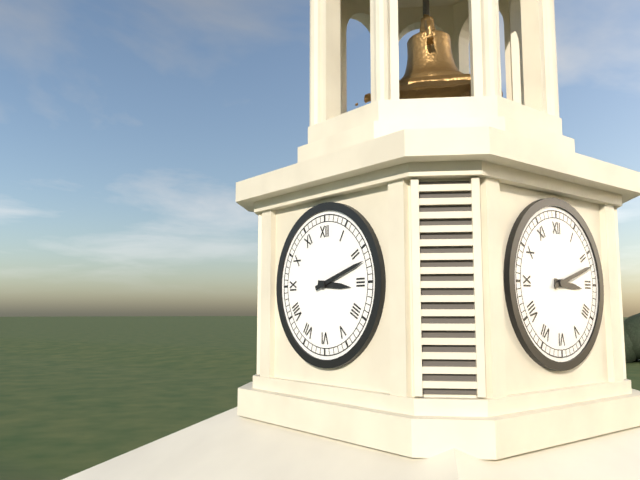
h=3 m=12
